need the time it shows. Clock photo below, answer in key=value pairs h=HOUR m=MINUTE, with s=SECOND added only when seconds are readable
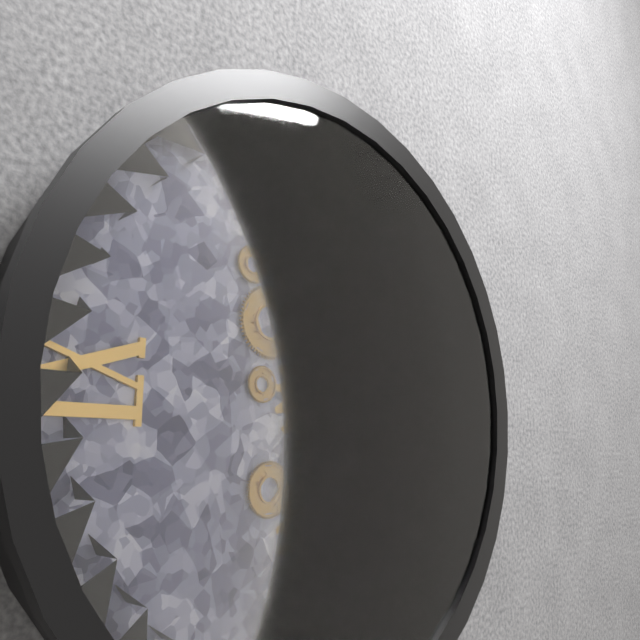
h=11 m=22
